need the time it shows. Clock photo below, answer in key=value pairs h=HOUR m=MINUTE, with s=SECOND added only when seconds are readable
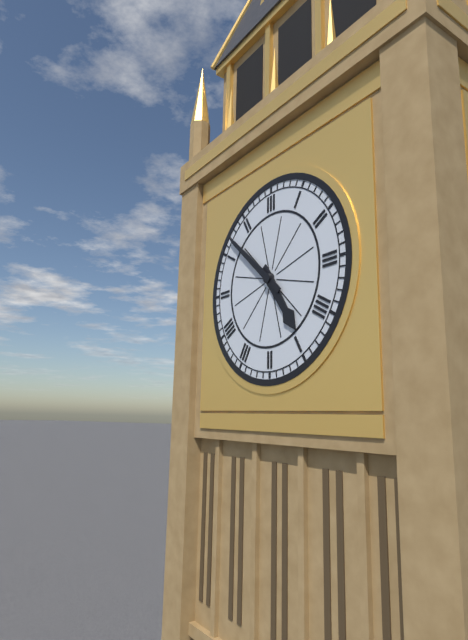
h=4 m=52
